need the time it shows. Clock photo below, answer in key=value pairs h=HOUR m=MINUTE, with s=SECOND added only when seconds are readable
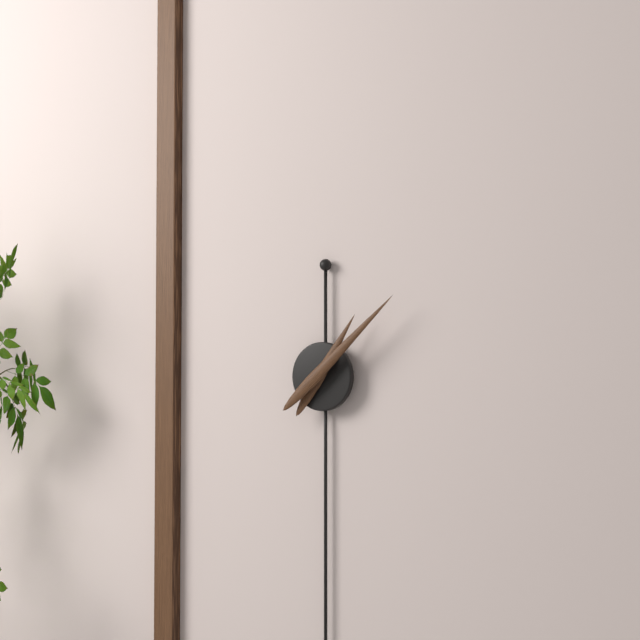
h=1 m=8
